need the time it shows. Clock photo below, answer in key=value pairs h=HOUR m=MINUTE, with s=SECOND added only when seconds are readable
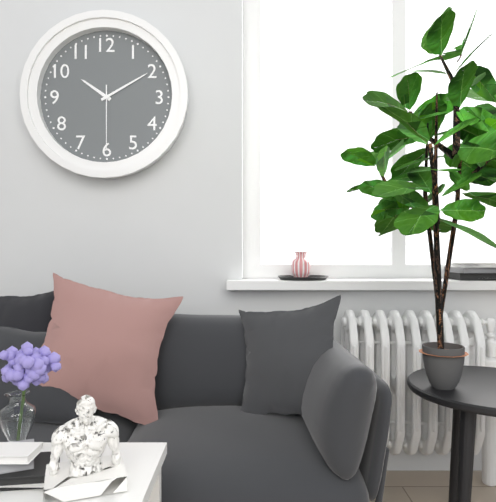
h=10 m=10 s=30
